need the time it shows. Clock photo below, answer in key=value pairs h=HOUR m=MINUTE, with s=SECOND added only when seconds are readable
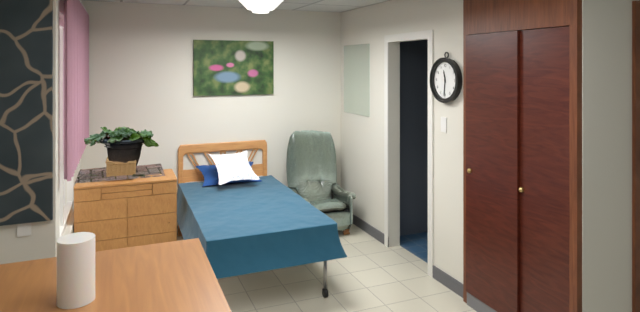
h=11 m=31
